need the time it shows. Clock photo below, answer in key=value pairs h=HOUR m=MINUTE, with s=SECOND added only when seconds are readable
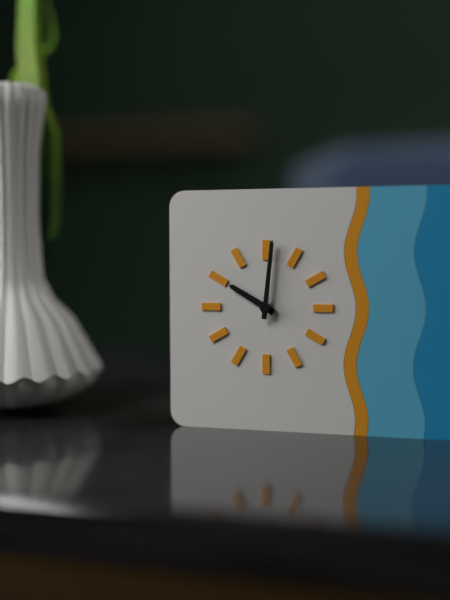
h=10 m=1
